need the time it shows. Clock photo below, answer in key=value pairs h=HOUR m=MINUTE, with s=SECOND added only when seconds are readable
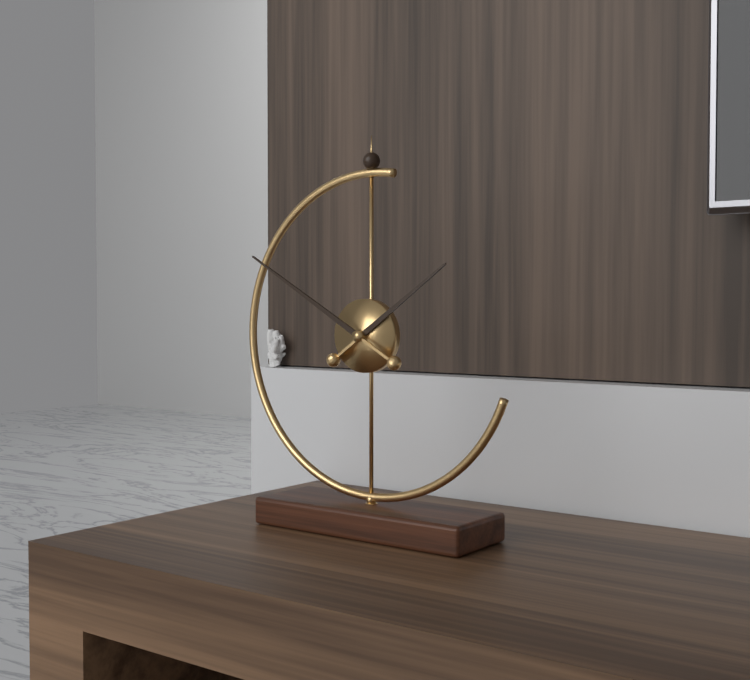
h=1 m=50
